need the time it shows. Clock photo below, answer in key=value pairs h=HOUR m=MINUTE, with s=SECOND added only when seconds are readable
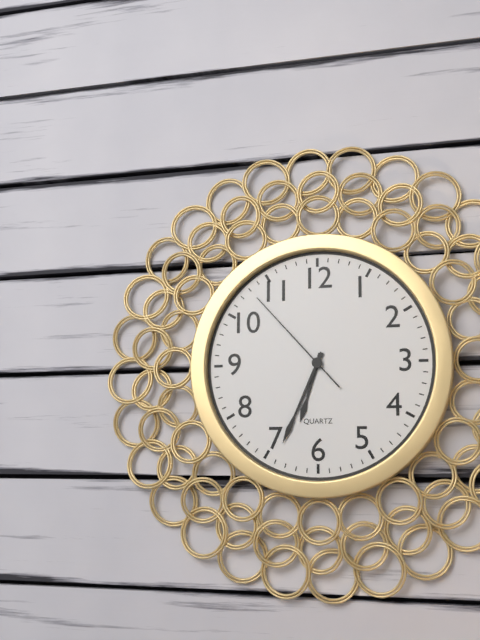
h=6 m=34 s=53
